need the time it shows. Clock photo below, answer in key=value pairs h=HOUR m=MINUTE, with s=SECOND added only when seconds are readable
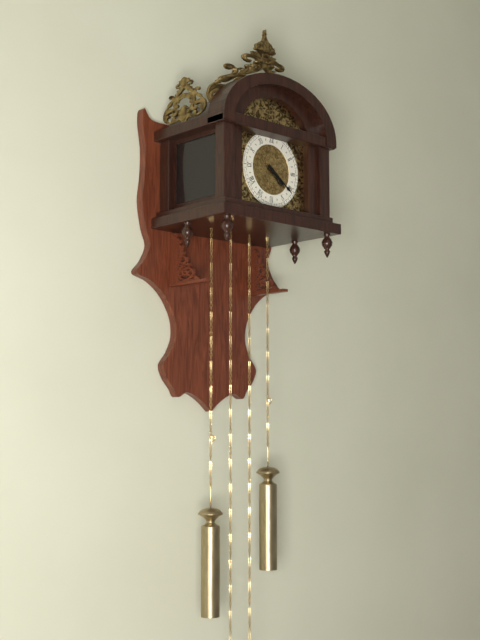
h=4 m=21
